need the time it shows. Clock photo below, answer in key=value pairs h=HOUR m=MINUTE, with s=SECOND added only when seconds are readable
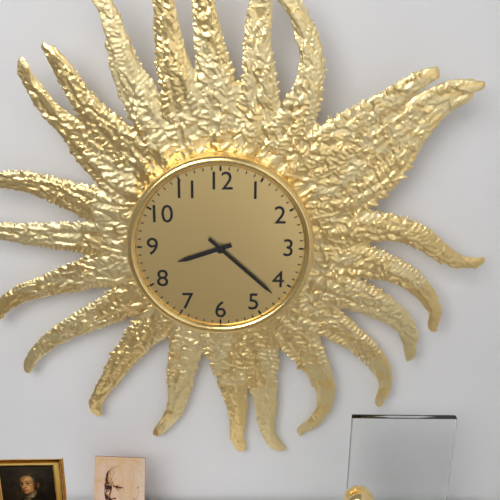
h=8 m=22
